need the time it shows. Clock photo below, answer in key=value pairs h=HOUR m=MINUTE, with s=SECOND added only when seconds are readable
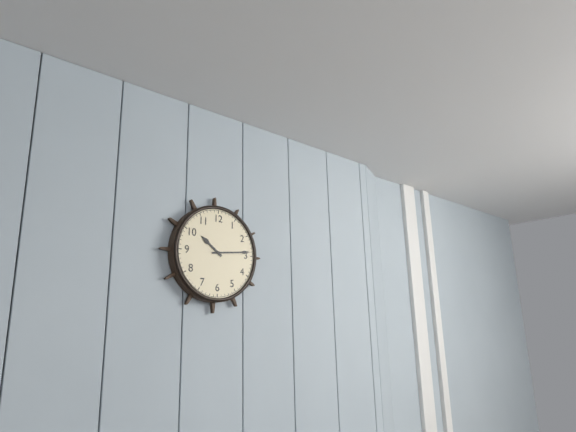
h=10 m=14
